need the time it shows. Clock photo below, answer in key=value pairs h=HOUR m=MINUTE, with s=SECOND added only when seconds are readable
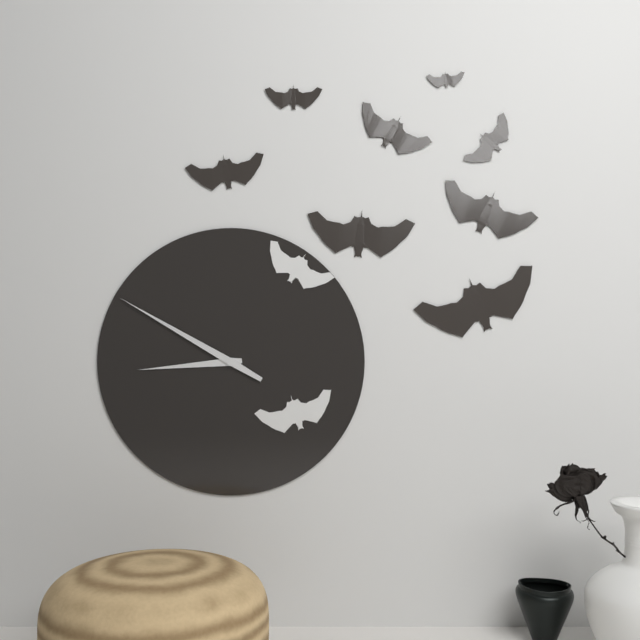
h=8 m=50
